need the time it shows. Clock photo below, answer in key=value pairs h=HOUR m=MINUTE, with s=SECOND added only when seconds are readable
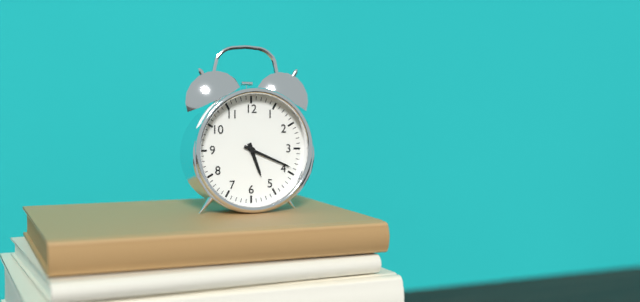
h=5 m=19
